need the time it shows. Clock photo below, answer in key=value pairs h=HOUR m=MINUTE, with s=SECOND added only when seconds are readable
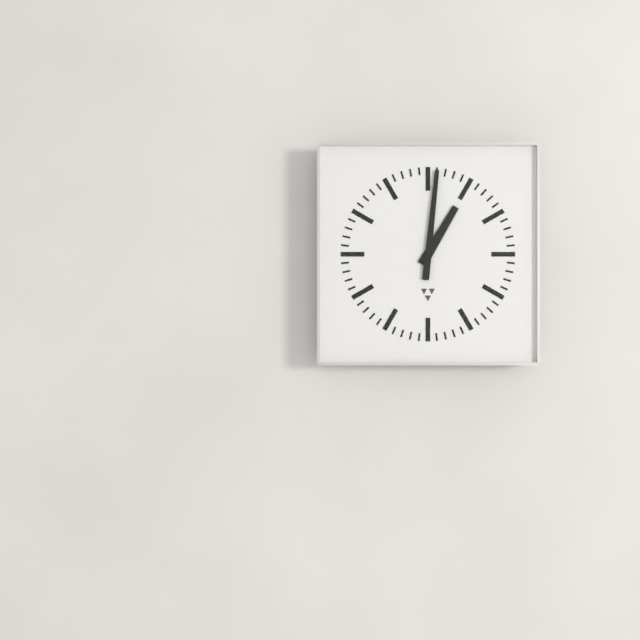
h=1 m=1
